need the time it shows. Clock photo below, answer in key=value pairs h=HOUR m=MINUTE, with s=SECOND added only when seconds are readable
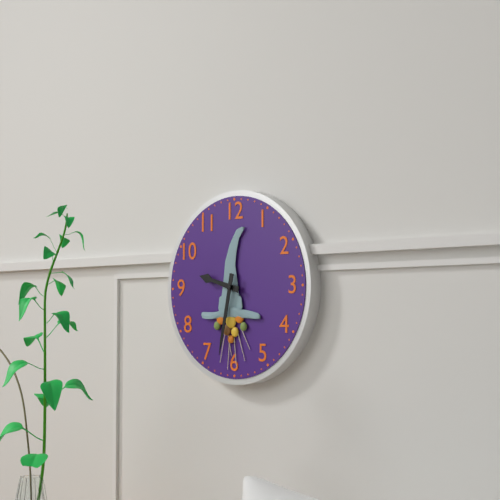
h=9 m=32
